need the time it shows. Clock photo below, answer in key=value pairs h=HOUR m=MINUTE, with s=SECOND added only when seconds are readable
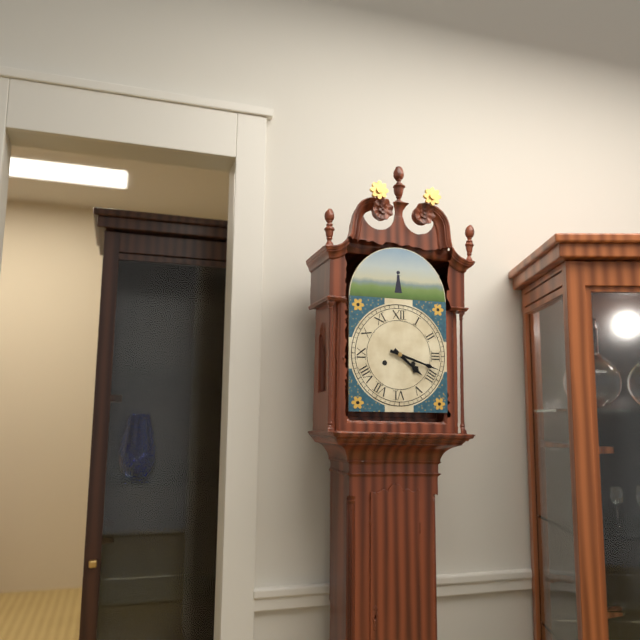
h=4 m=18
